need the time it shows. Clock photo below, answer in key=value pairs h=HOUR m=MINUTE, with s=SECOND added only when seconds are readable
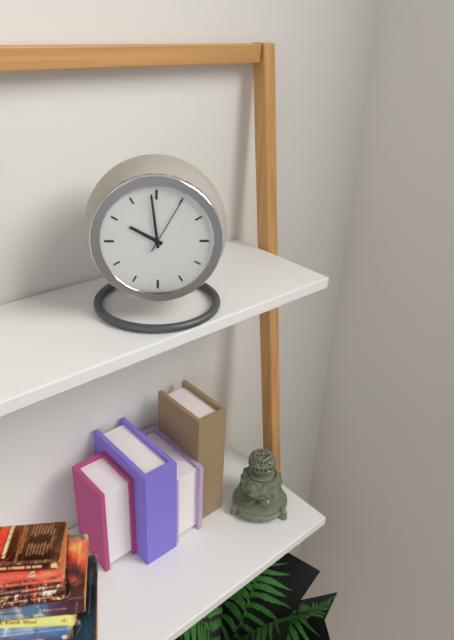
h=9 m=59 s=5
